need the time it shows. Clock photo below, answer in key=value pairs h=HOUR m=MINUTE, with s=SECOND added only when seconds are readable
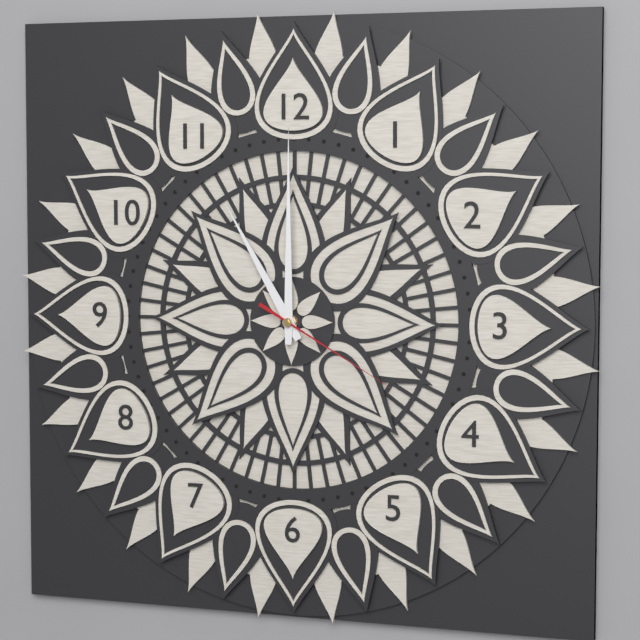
h=11 m=0 s=20
